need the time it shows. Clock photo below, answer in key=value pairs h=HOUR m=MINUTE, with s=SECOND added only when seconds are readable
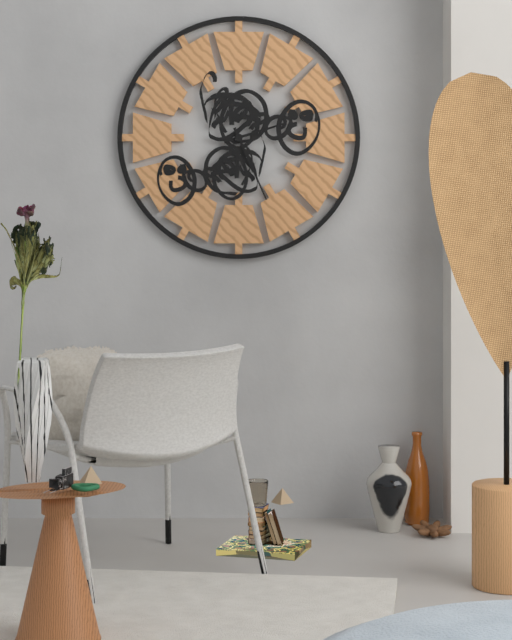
h=2 m=26
